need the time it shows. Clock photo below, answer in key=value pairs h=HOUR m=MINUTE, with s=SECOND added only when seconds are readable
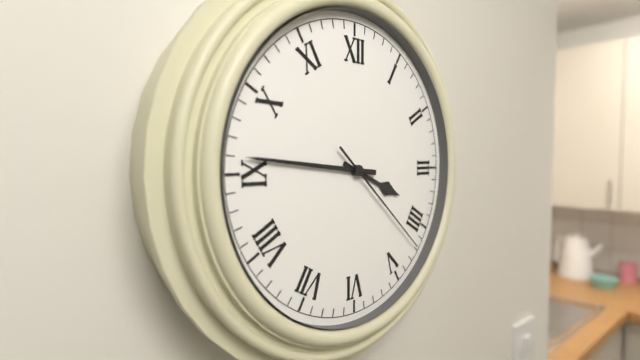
h=3 m=46 s=22
